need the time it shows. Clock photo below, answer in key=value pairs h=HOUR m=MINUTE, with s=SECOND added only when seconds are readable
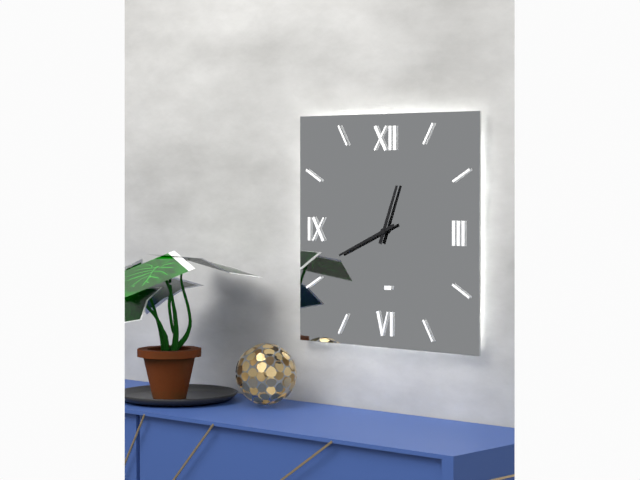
h=12 m=41
